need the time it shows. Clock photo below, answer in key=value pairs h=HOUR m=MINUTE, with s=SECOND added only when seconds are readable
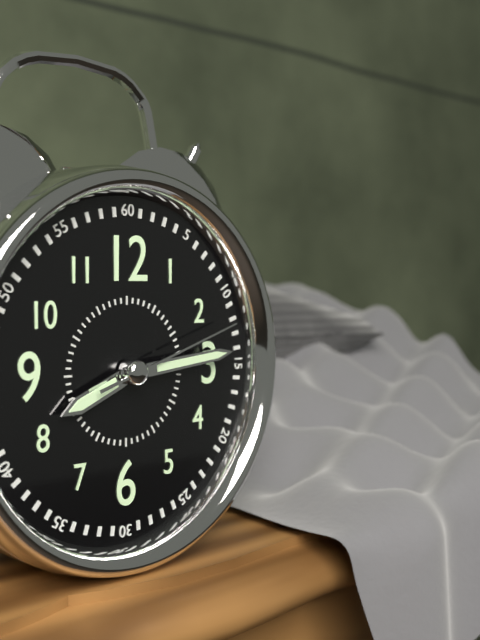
h=8 m=14 s=12
